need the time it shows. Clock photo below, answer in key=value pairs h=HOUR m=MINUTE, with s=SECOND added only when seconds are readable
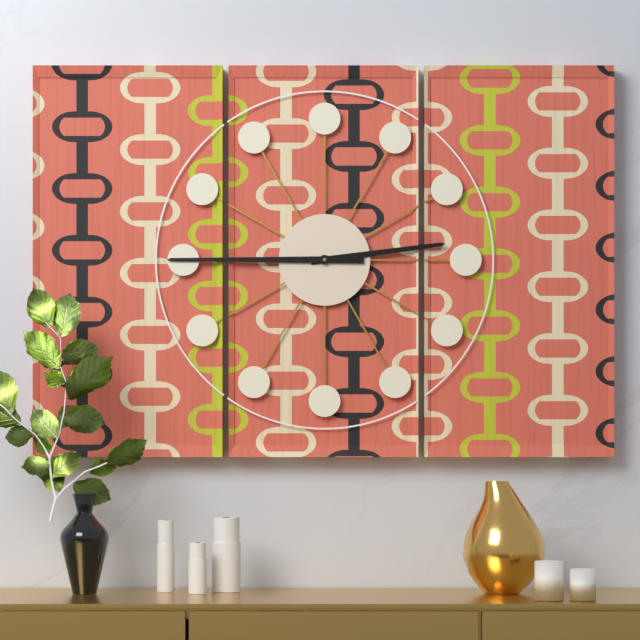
h=2 m=45
